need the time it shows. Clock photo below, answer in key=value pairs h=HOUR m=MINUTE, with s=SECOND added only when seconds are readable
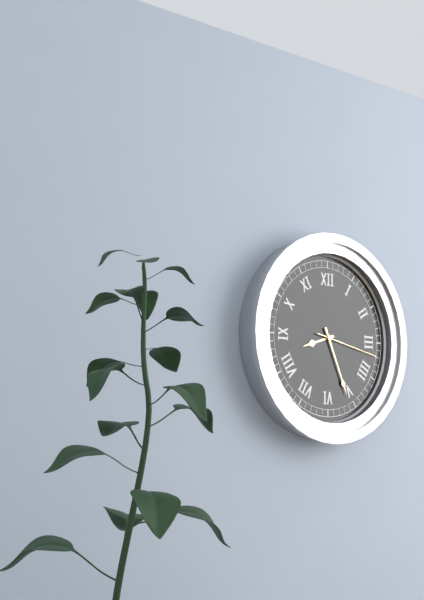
h=8 m=26 s=17
